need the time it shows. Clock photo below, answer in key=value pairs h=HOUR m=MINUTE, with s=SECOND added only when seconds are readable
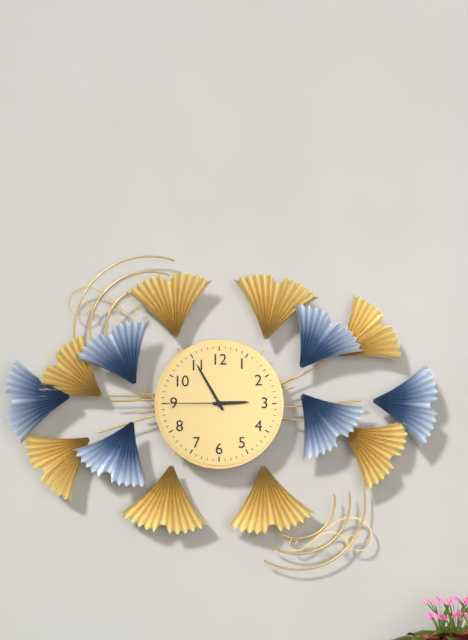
h=2 m=55 s=45
